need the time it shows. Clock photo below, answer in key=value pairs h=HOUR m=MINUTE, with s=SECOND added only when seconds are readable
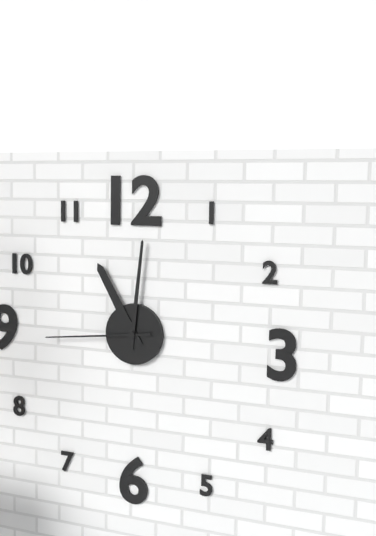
h=11 m=1 s=44
